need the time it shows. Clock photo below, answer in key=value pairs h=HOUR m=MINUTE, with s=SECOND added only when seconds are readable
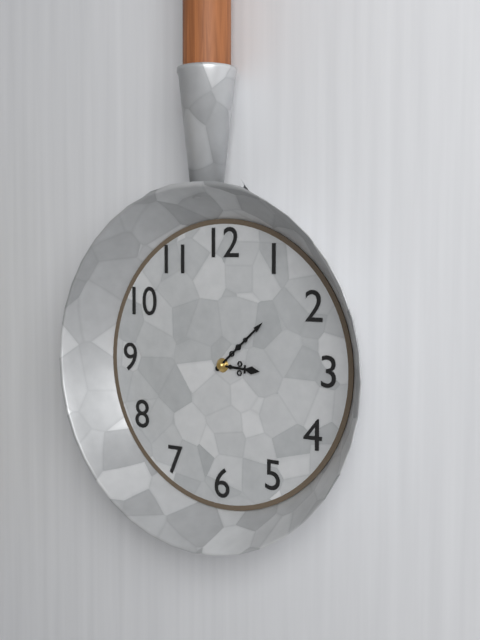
h=3 m=8
